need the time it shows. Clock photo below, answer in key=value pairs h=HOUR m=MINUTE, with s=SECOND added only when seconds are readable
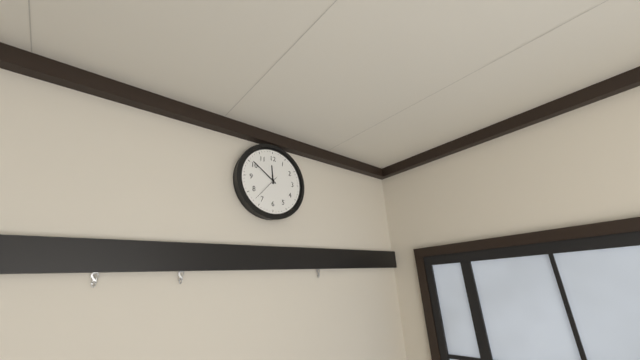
h=11 m=51
